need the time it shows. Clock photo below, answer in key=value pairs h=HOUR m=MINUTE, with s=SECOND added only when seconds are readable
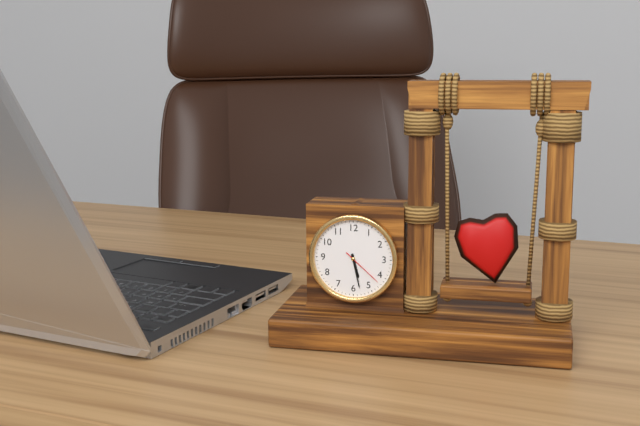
h=5 m=28
